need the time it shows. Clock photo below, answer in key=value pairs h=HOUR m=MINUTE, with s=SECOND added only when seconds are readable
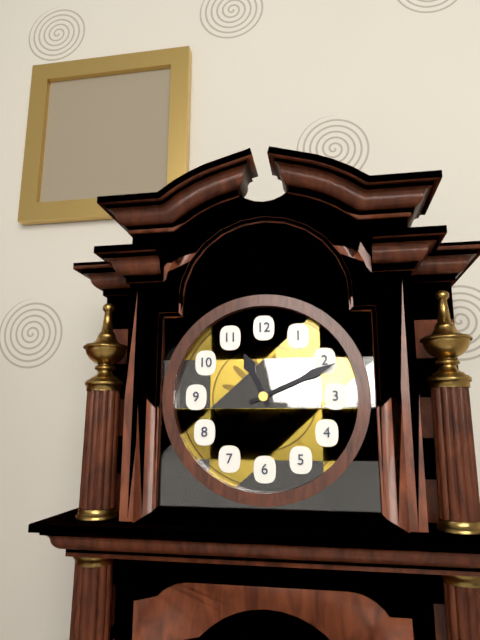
h=11 m=11
